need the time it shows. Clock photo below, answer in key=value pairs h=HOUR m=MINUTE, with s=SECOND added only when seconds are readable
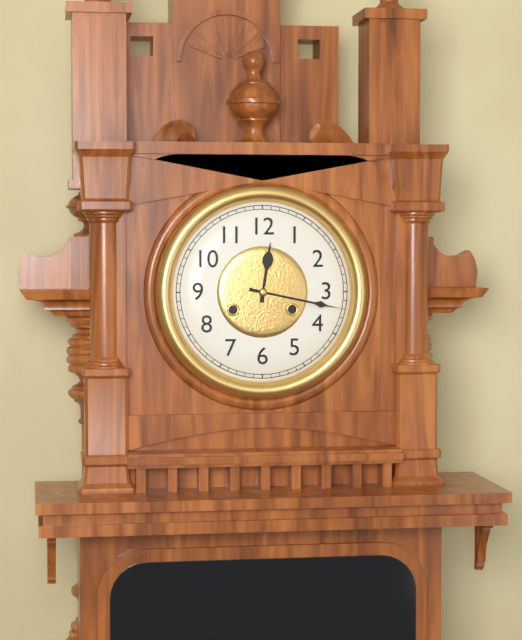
h=12 m=17
